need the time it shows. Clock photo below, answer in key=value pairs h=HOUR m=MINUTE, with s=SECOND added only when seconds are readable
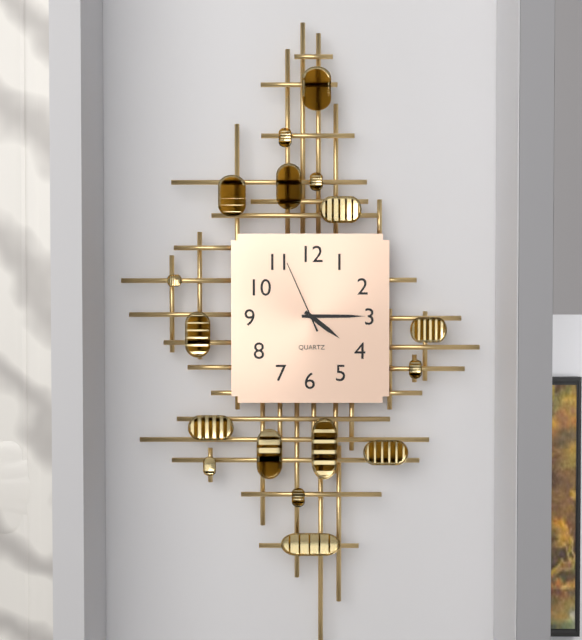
h=4 m=15 s=56
